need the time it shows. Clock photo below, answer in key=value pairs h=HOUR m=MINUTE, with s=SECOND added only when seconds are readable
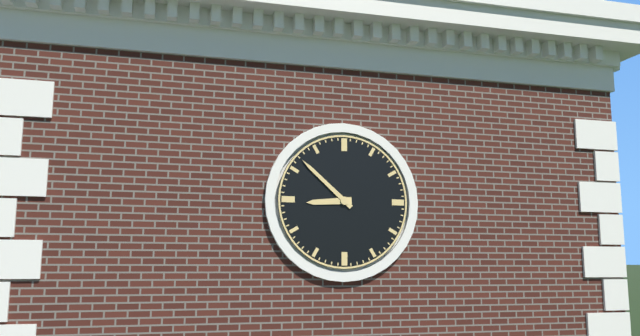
h=8 m=52
